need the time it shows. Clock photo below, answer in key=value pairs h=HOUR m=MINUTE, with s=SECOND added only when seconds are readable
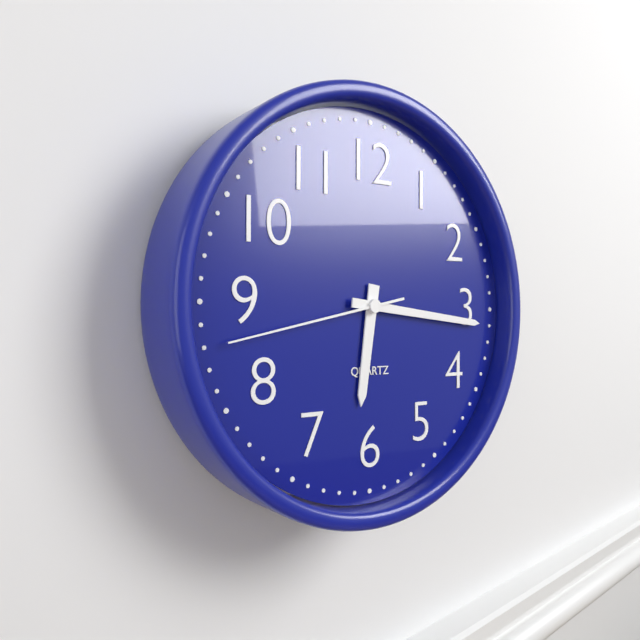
h=6 m=16 s=43
